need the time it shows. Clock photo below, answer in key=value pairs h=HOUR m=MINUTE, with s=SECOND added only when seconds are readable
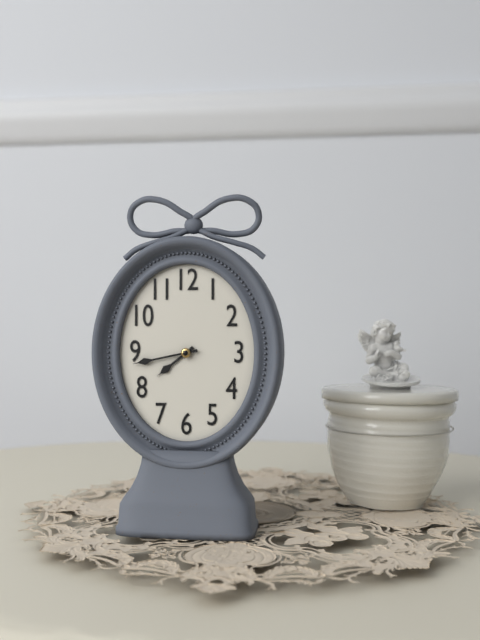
h=7 m=43
